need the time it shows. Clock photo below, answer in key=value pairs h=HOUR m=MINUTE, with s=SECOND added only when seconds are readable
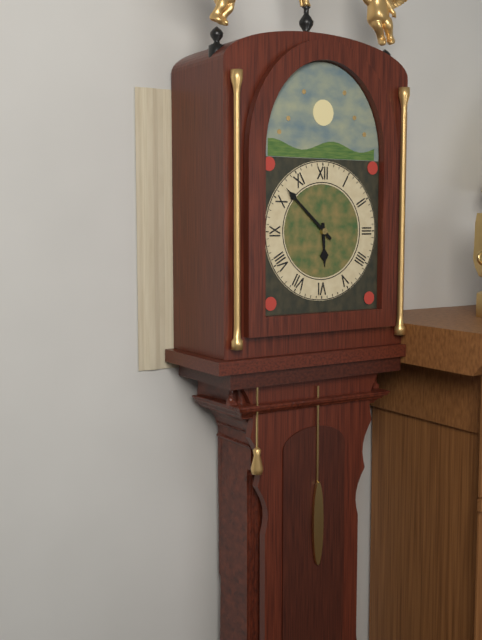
h=5 m=52
